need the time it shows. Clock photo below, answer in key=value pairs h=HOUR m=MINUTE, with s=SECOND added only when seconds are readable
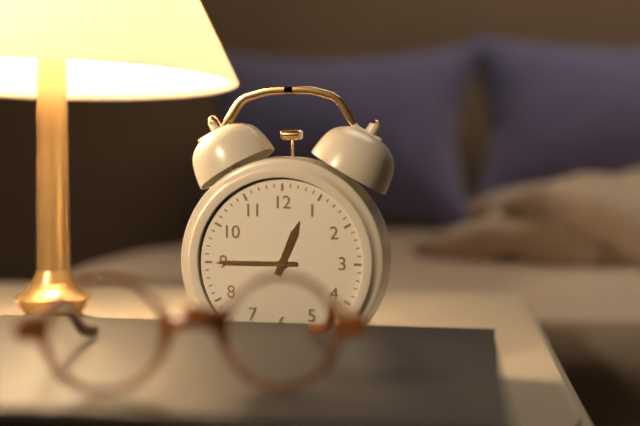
h=12 m=45
